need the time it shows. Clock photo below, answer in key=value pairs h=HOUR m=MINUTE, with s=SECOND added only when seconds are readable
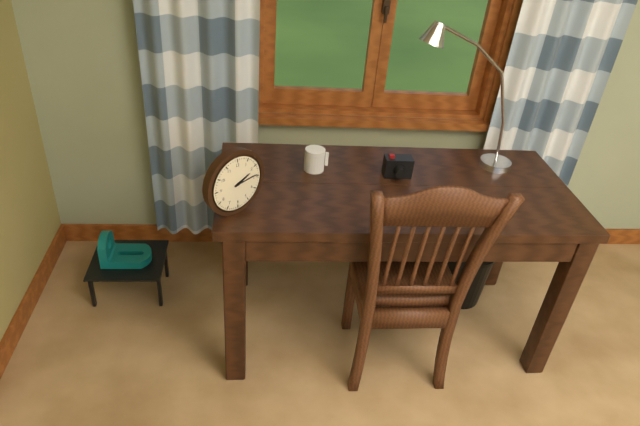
h=2 m=14
